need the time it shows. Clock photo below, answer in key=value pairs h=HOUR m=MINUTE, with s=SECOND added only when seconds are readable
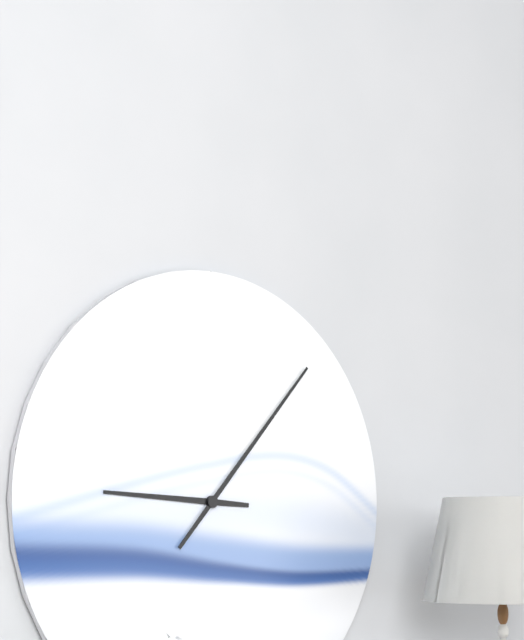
h=9 m=7
